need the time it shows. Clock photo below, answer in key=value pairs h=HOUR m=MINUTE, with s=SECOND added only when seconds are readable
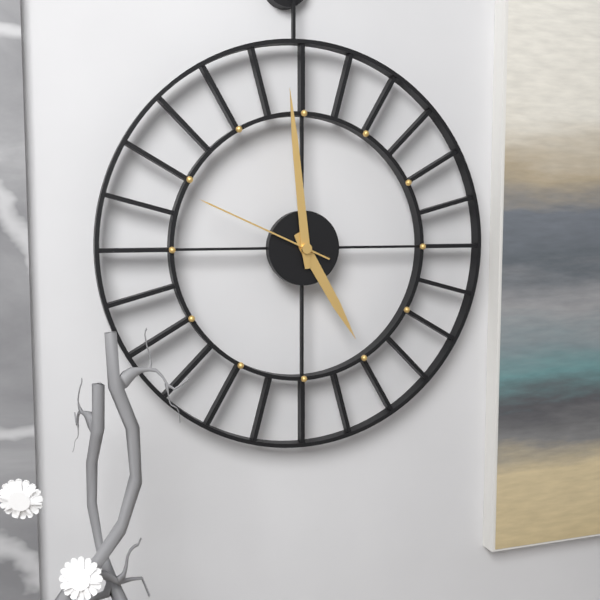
h=4 m=59 s=49
